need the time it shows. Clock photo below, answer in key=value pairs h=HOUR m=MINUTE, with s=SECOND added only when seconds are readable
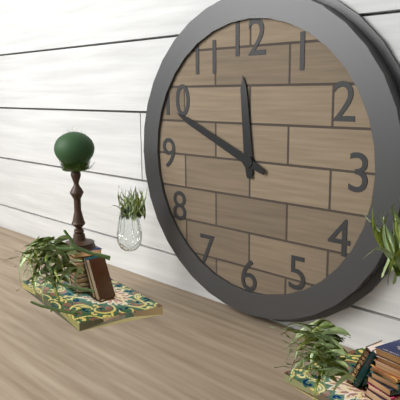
h=11 m=49
